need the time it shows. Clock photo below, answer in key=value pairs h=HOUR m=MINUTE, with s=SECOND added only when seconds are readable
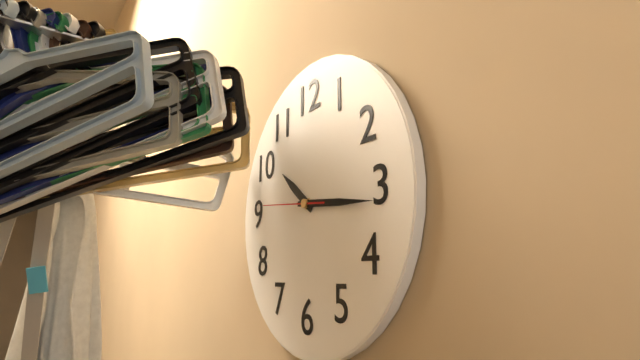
h=10 m=16 s=46
